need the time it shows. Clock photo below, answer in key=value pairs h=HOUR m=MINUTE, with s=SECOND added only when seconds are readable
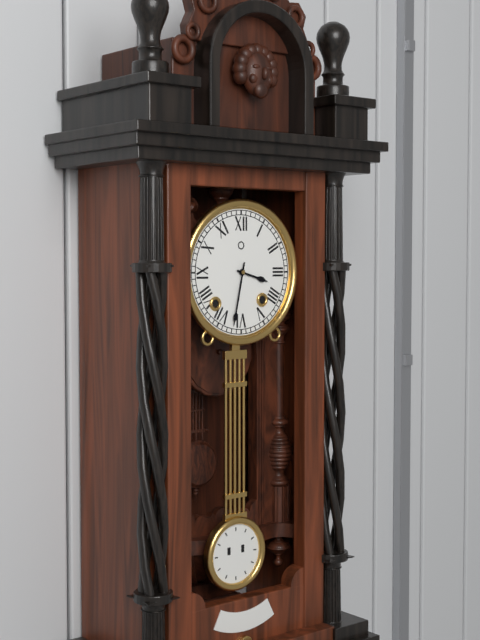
h=3 m=32
